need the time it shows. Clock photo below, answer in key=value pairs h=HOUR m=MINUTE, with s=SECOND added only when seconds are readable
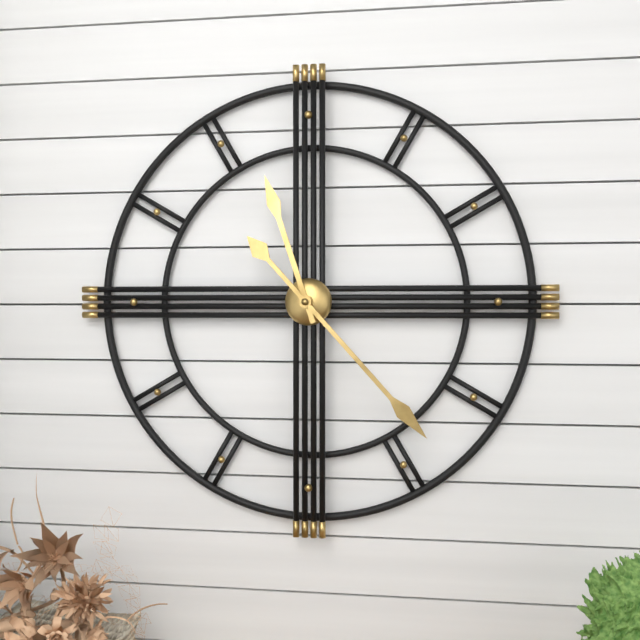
h=11 m=23
